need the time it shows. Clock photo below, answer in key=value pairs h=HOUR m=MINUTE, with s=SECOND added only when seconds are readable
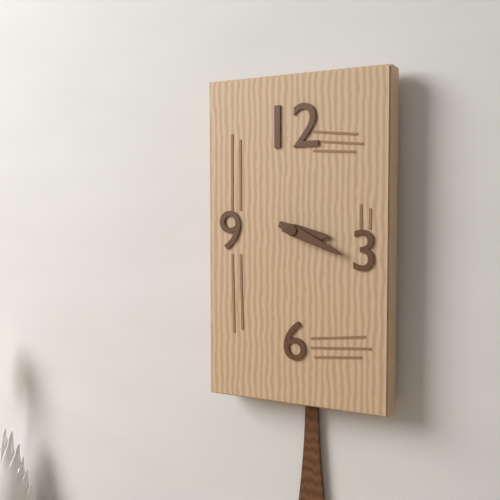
h=3 m=19
